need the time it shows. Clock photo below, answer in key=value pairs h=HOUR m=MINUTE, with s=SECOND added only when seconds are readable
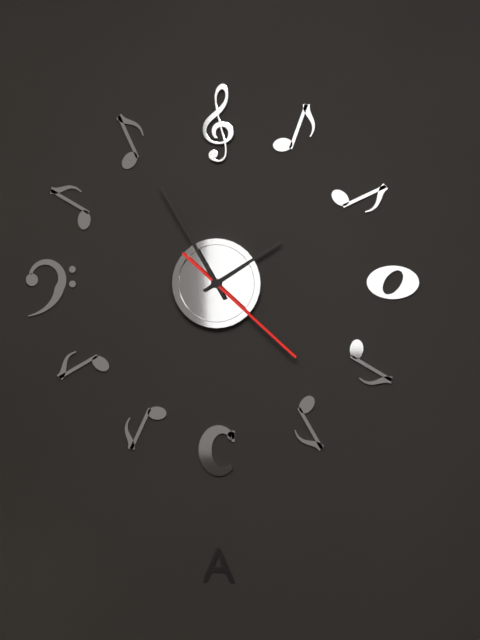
h=1 m=55 s=22
